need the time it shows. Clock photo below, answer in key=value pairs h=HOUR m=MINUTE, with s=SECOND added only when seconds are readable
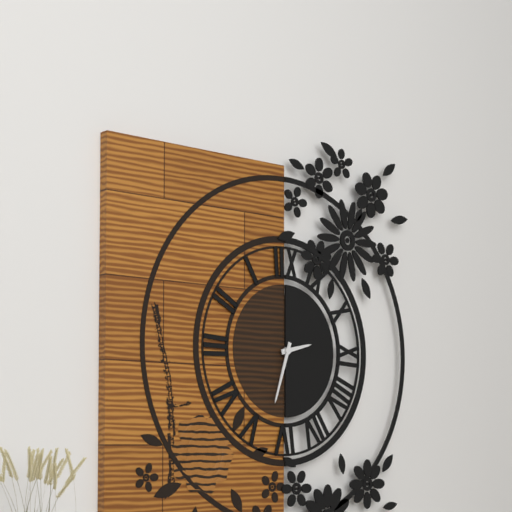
h=2 m=33
